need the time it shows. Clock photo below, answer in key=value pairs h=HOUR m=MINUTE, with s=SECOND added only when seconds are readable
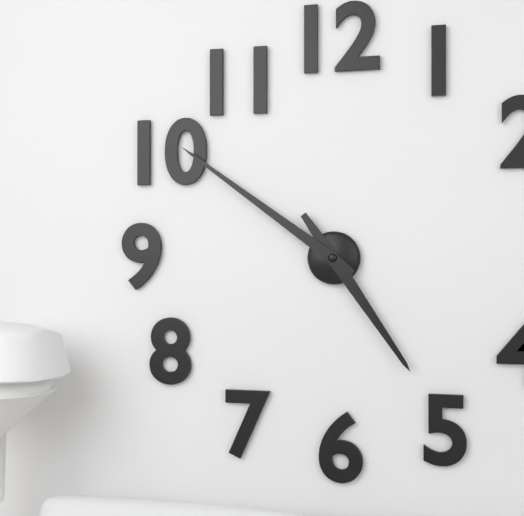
h=4 m=51
